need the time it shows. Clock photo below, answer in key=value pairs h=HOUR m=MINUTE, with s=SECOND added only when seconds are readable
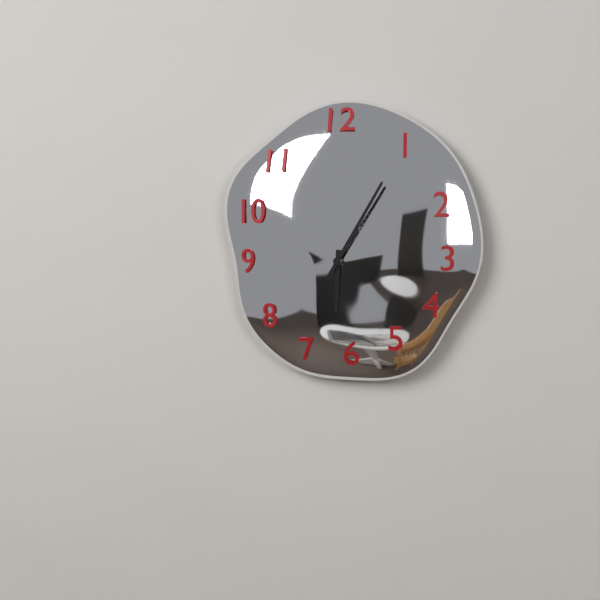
h=6 m=5
